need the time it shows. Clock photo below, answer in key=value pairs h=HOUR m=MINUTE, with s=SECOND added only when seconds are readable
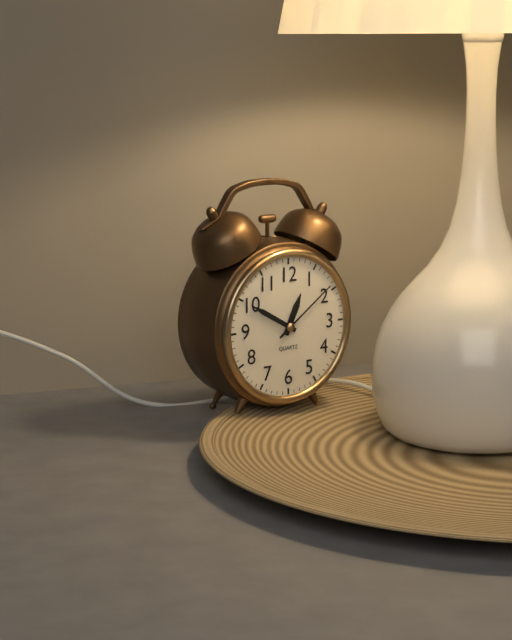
h=12 m=50 s=9
